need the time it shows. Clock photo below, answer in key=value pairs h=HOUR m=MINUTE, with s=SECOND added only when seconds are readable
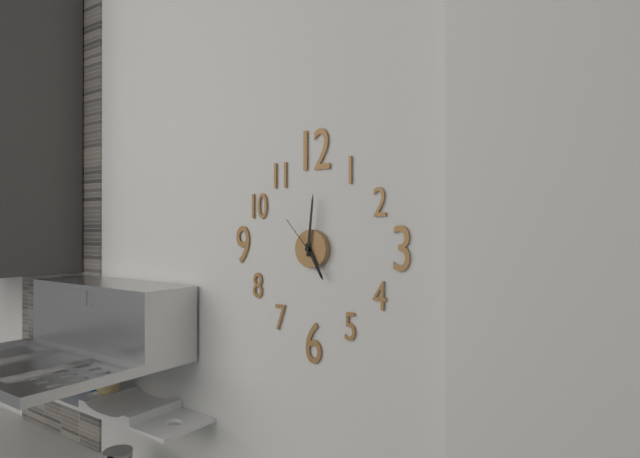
h=5 m=1
